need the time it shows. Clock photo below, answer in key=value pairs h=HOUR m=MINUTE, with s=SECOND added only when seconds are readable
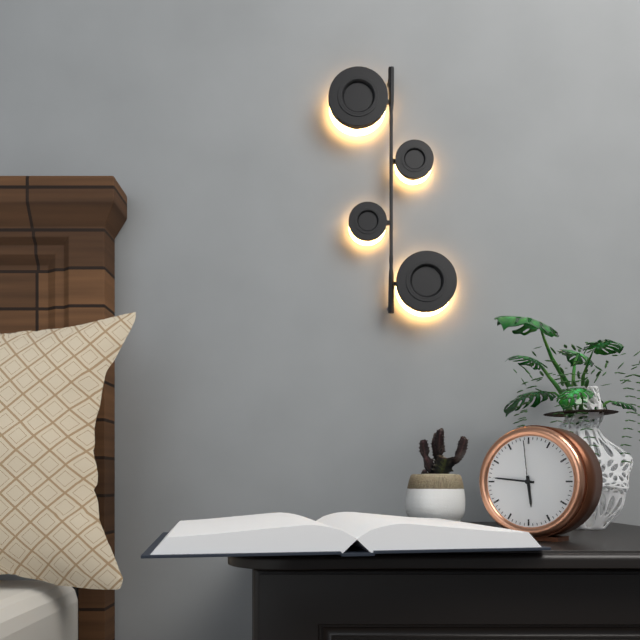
h=5 m=46 s=59
